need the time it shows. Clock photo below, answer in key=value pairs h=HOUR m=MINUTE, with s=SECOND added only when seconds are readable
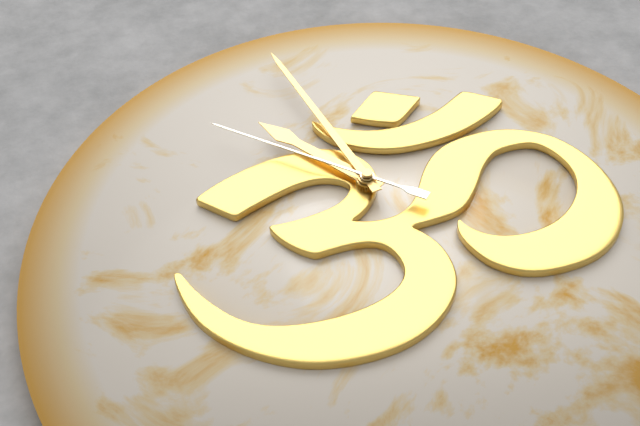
h=10 m=59 s=53
